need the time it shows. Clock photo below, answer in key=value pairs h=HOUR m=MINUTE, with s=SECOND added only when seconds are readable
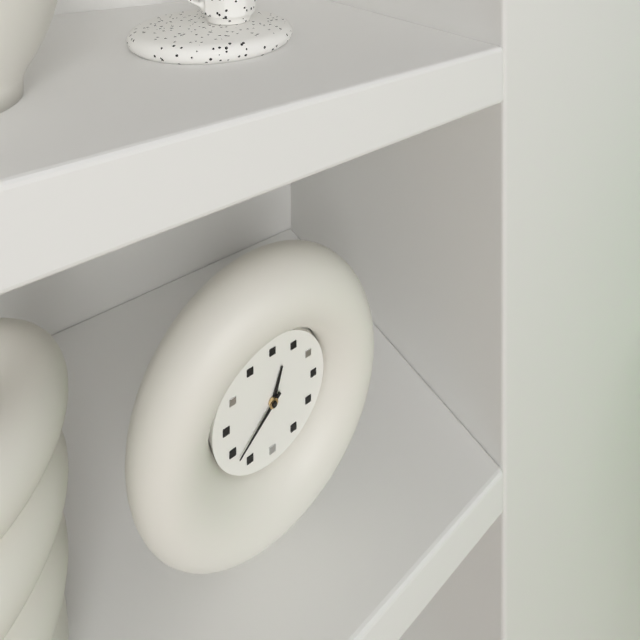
h=12 m=38
